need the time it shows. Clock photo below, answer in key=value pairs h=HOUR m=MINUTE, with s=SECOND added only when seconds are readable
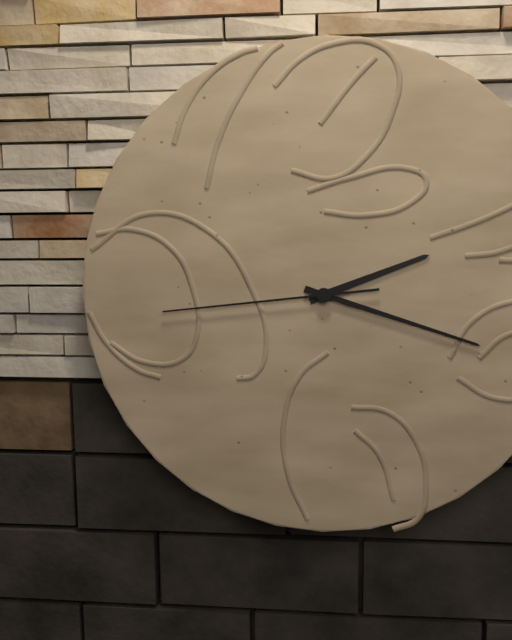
h=2 m=18 s=44
